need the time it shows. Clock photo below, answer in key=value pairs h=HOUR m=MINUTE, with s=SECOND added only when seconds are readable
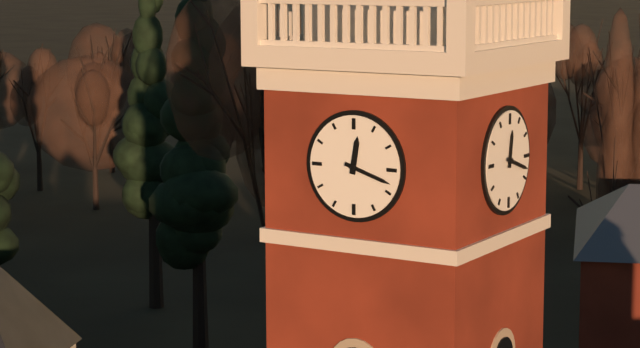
h=12 m=18
